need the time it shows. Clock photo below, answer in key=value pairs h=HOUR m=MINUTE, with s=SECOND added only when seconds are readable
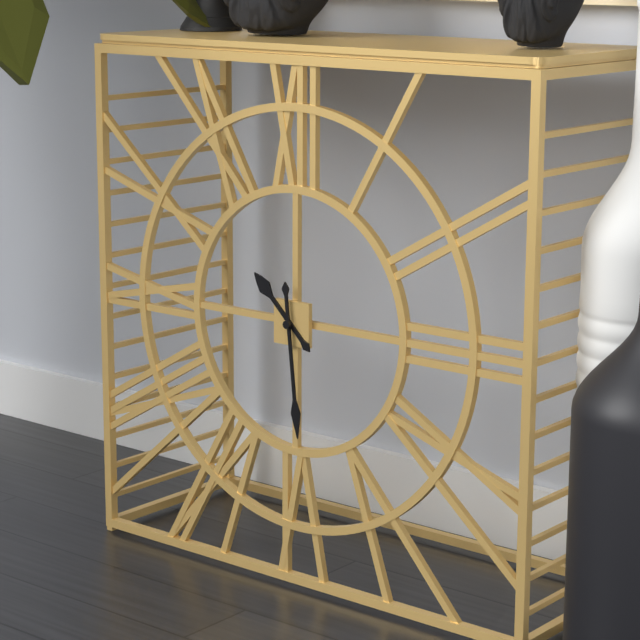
h=10 m=29
